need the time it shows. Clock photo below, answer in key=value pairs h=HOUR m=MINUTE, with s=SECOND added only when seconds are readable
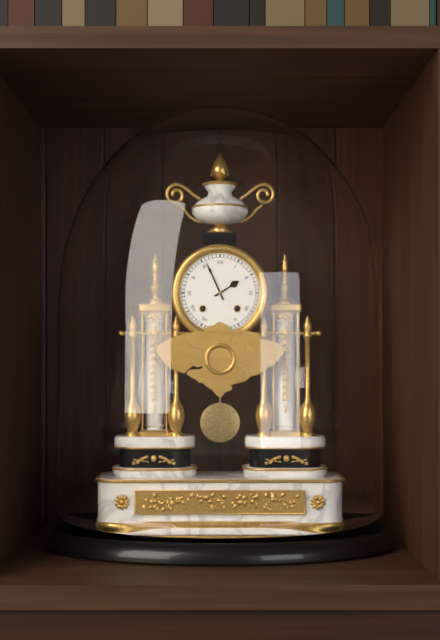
h=1 m=56
